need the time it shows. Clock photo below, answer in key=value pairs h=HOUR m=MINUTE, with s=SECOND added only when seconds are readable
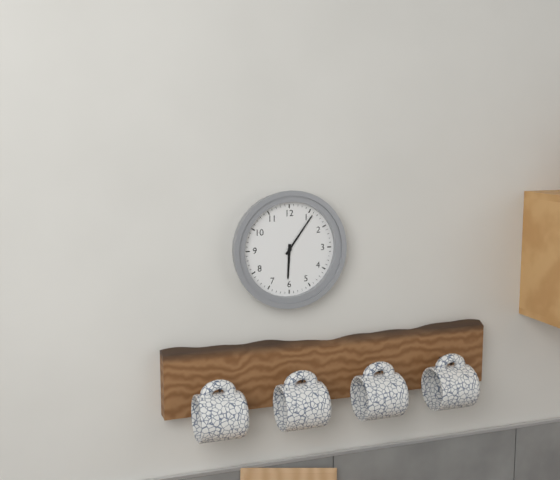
h=6 m=6
